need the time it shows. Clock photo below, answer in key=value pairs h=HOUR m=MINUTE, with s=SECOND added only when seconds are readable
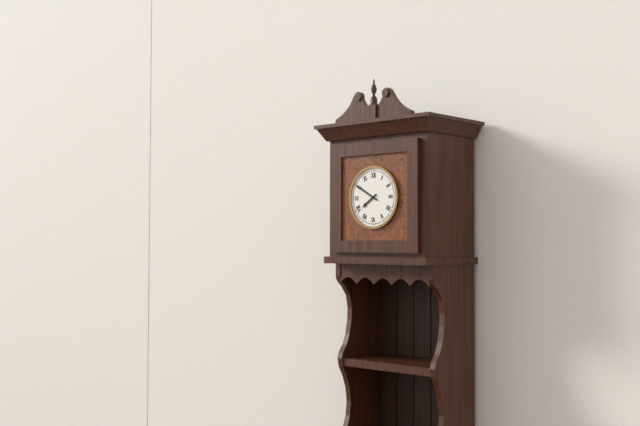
h=7 m=50
